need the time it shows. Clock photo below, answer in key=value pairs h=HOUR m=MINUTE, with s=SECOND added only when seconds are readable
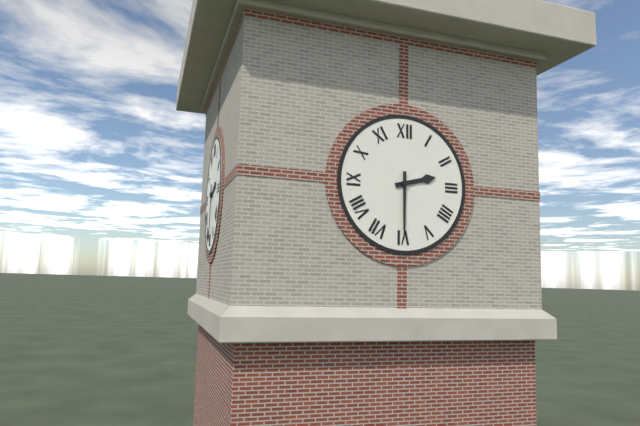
h=2 m=30
